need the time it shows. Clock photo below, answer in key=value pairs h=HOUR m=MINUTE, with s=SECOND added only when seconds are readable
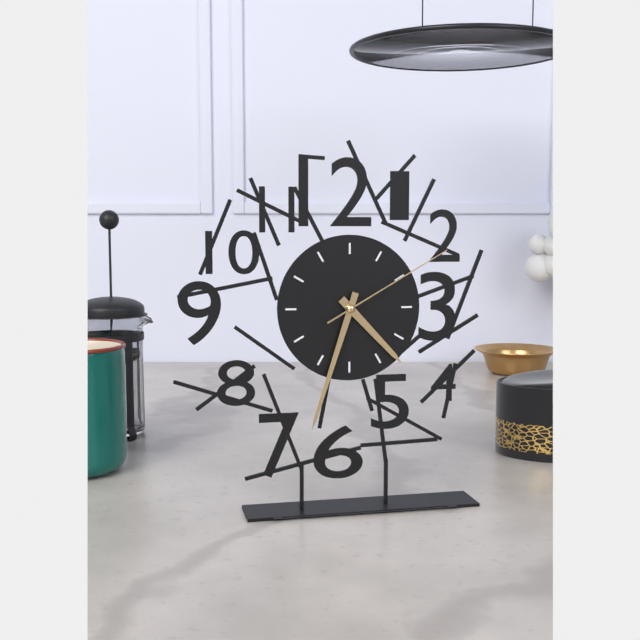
h=4 m=33 s=10
